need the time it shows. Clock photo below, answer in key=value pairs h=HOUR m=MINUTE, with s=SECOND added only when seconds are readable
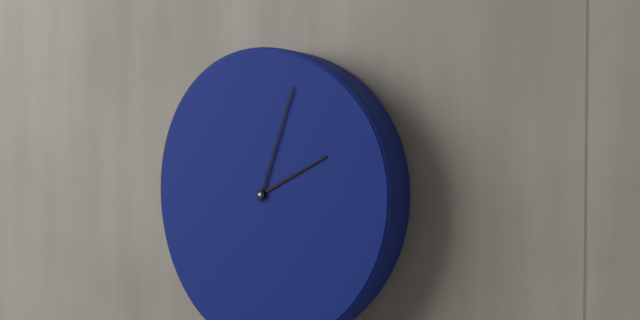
h=2 m=3
